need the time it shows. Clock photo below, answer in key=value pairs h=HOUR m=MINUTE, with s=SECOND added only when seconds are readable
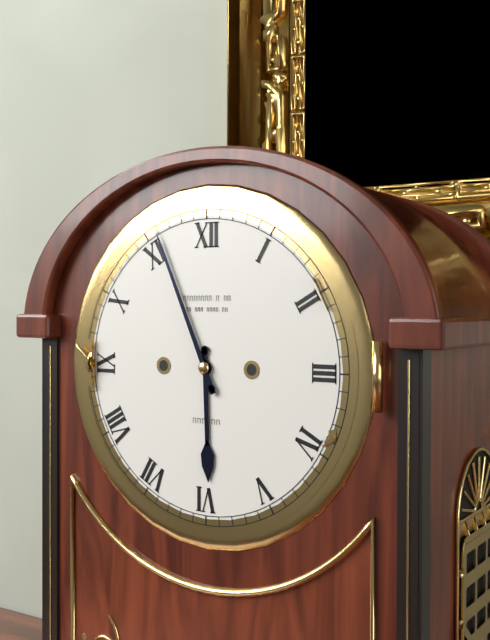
h=5 m=56
